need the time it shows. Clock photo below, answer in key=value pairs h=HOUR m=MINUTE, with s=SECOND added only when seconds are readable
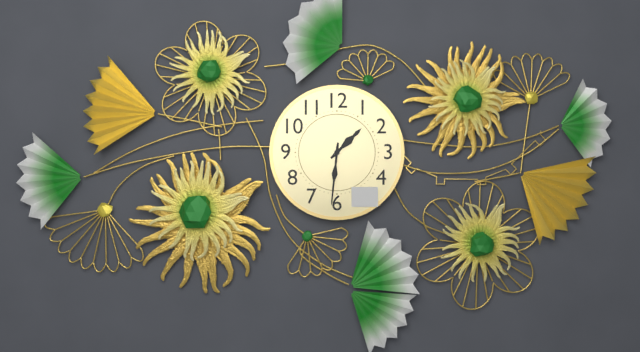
h=1 m=31
